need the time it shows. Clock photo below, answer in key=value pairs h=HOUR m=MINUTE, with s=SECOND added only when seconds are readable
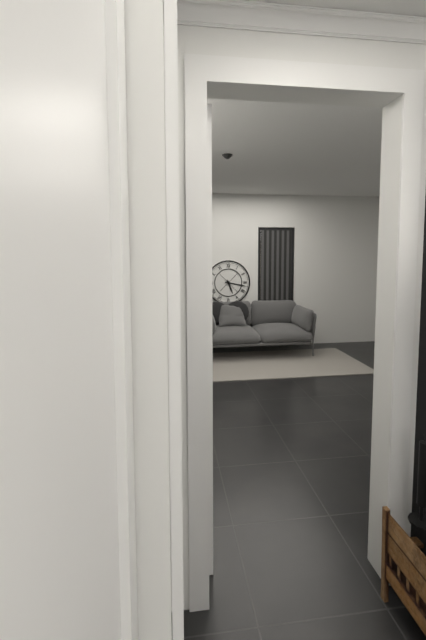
h=5 m=17
